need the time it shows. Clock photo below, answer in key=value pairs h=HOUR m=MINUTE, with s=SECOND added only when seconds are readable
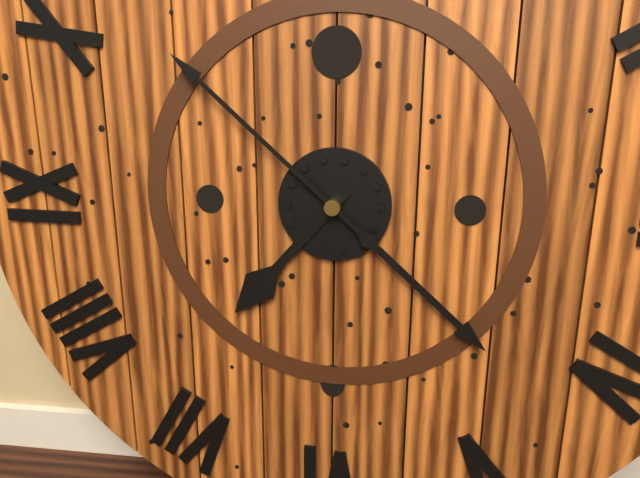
h=7 m=22 s=52
